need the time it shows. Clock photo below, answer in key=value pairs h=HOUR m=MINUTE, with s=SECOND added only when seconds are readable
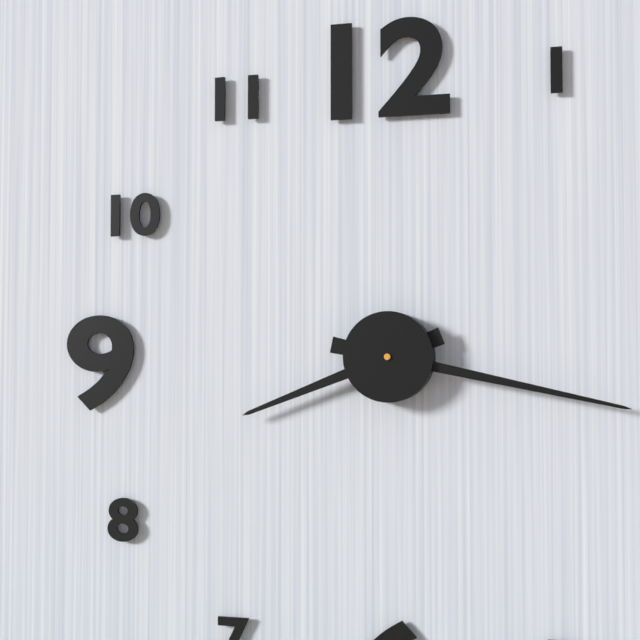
h=8 m=17
